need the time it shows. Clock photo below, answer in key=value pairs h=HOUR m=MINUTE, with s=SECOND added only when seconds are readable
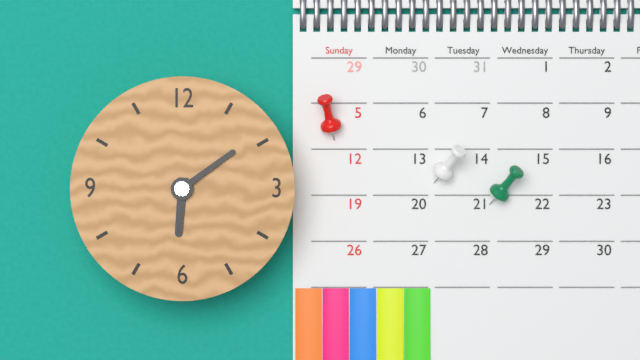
h=6 m=9
